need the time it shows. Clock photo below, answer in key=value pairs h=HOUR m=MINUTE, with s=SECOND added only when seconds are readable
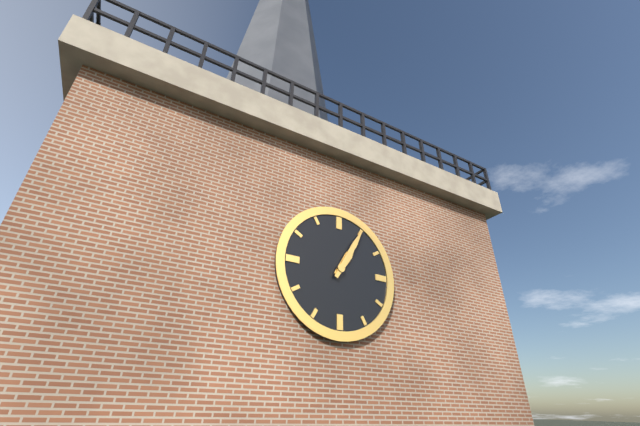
h=1 m=5
